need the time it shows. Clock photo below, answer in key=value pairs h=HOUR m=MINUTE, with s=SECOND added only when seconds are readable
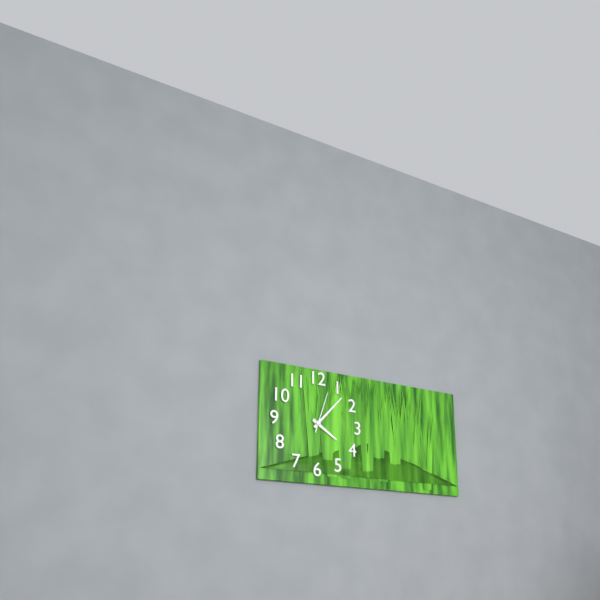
h=4 m=7
